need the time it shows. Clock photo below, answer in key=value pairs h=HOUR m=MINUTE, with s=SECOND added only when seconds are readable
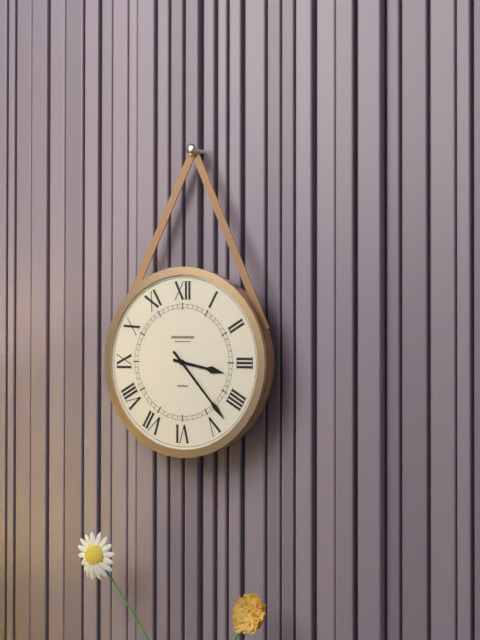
h=3 m=23
